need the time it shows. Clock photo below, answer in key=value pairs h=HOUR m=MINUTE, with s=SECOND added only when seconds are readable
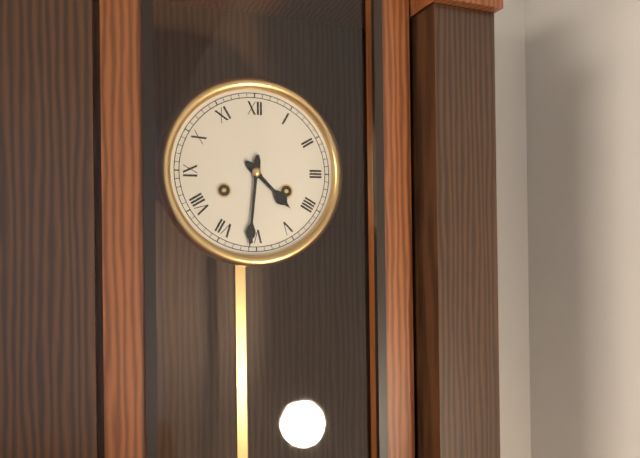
h=4 m=31
